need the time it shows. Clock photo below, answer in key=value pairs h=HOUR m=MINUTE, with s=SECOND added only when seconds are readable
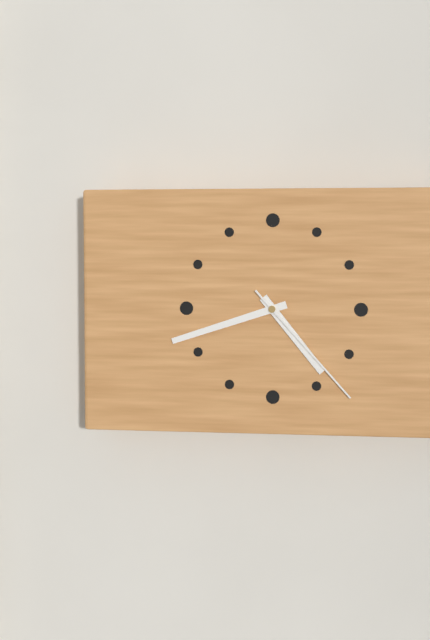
h=4 m=42 s=23
